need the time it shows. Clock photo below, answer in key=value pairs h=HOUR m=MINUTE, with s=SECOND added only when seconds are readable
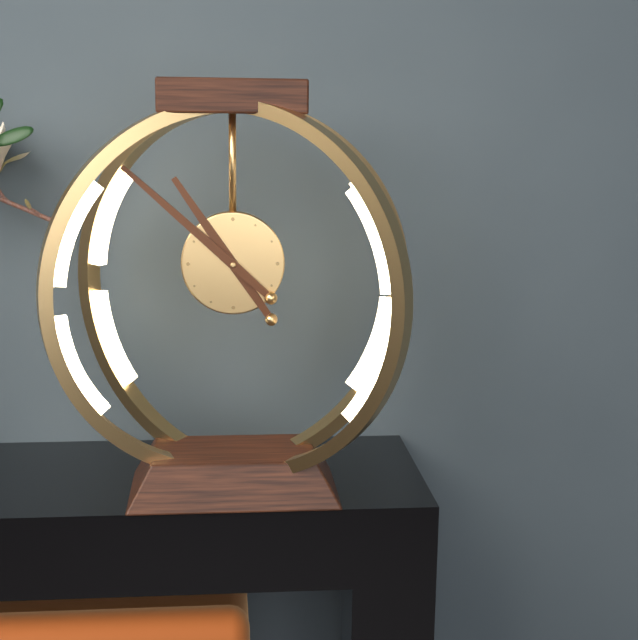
h=10 m=52
